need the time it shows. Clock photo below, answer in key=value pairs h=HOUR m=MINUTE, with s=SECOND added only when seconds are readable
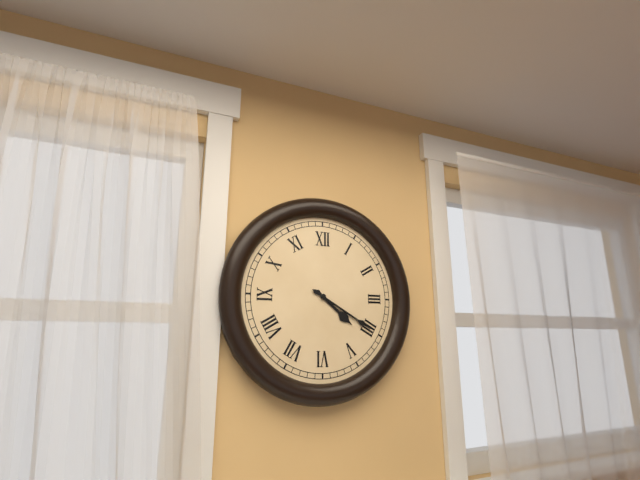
h=4 m=20
